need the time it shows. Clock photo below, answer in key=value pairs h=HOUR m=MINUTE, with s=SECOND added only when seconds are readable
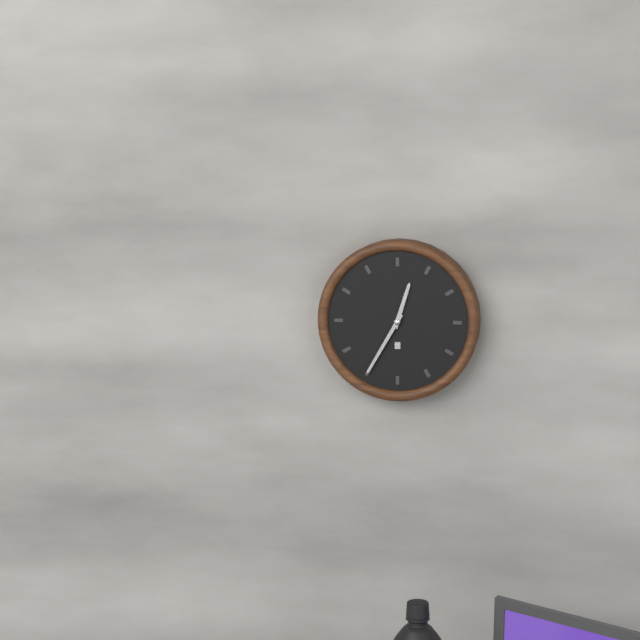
h=12 m=35
